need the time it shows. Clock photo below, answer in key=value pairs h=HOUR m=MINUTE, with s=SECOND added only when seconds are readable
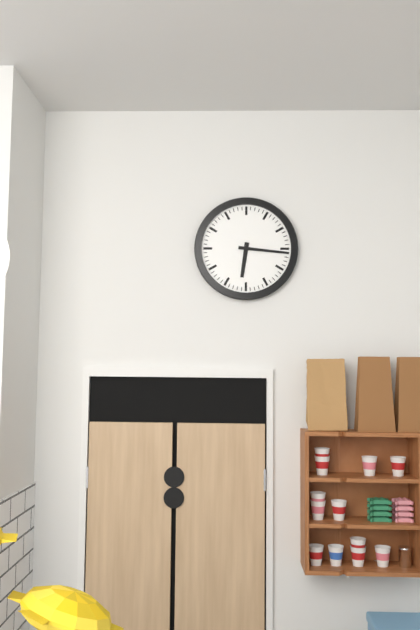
h=6 m=16
